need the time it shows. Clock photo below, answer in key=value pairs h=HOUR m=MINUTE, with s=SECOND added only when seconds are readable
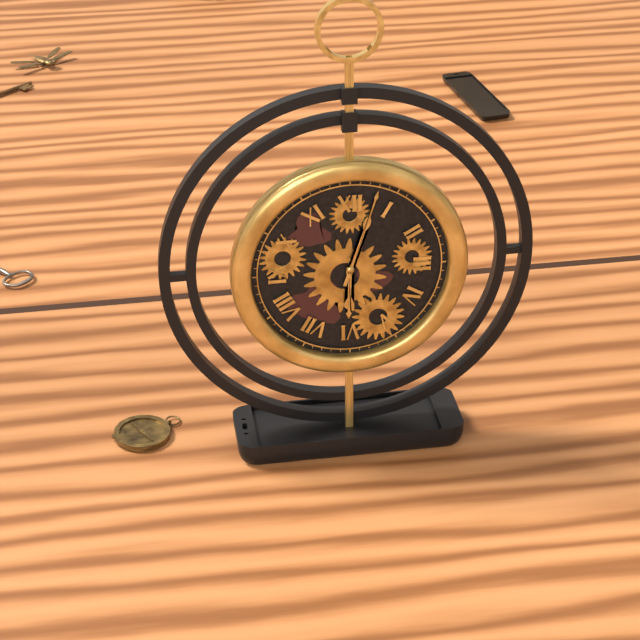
h=6 m=3
